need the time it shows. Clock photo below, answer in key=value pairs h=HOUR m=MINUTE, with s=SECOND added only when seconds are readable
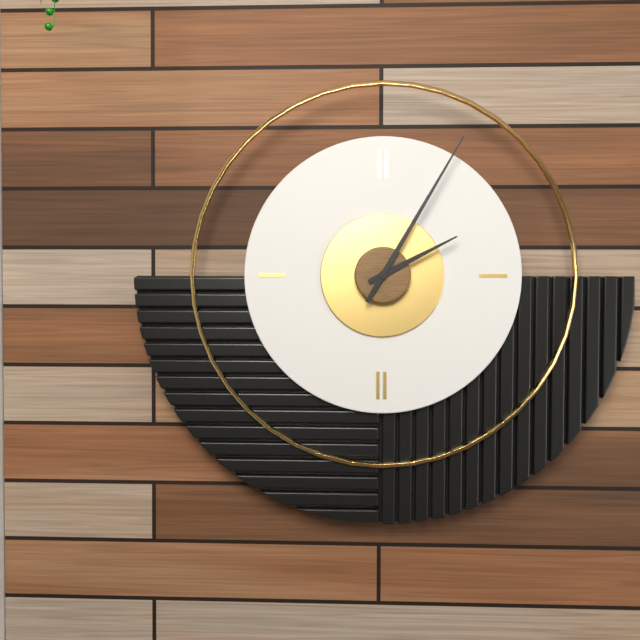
h=2 m=5
